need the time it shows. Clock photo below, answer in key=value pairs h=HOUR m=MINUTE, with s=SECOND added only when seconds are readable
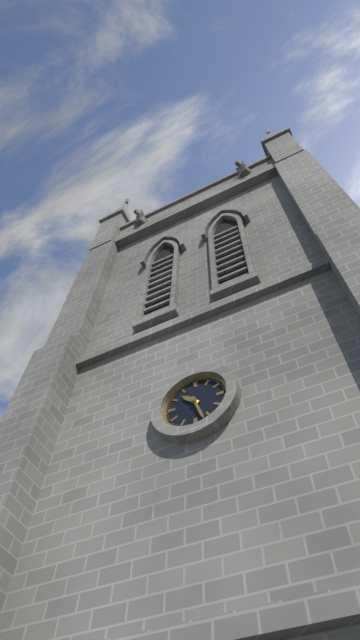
h=10 m=27
